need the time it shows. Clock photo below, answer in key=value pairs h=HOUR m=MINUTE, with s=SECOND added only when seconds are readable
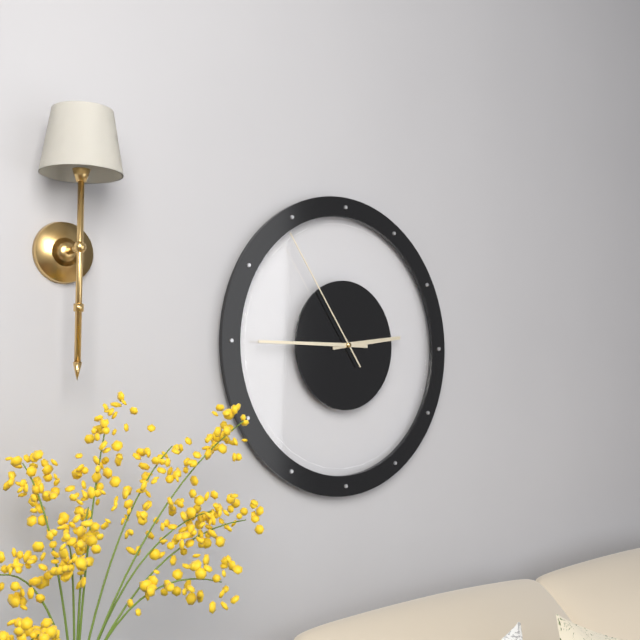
h=2 m=45 s=54
